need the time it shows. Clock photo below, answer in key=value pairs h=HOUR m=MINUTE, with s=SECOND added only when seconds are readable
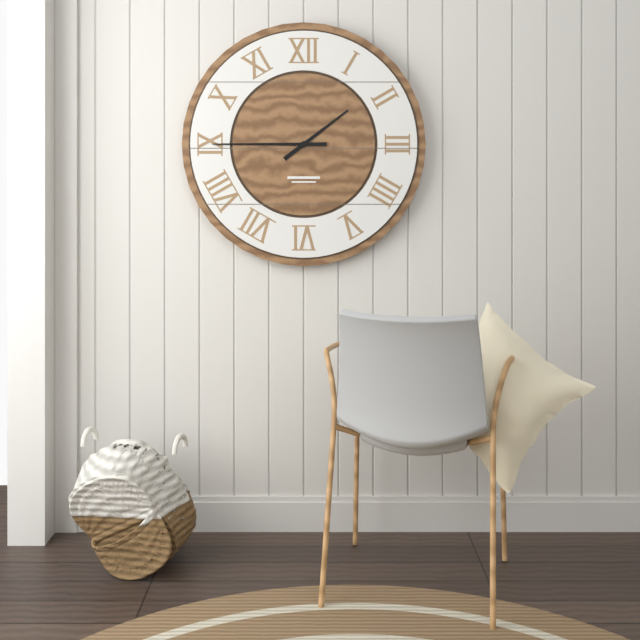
h=1 m=45
